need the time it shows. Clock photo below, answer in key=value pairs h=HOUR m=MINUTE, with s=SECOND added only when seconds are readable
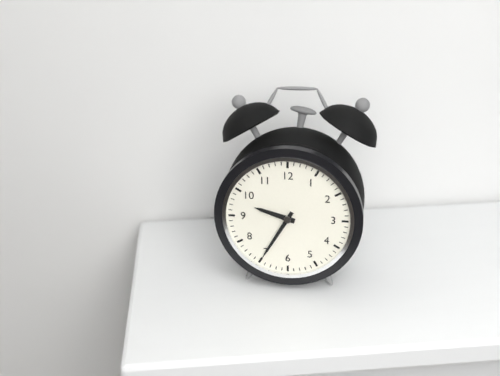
h=9 m=35
